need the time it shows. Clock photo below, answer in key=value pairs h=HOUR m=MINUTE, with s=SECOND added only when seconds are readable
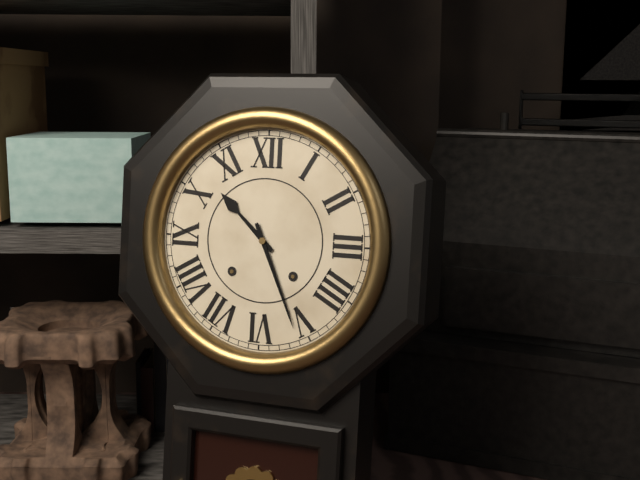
h=10 m=26
